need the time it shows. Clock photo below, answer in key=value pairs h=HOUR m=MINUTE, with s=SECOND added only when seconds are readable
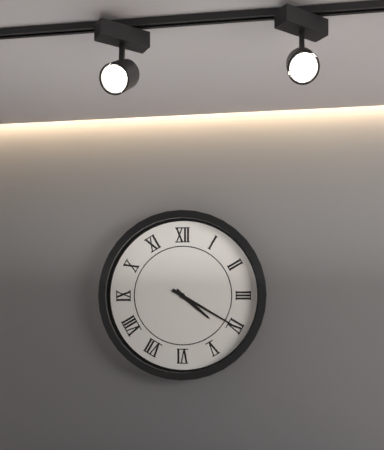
h=4 m=20
